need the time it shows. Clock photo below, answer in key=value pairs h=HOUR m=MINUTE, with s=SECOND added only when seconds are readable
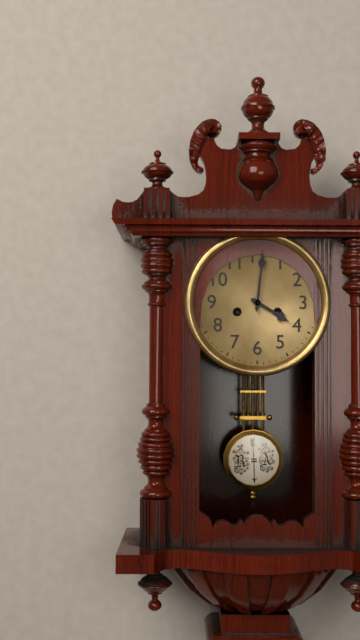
h=4 m=1
